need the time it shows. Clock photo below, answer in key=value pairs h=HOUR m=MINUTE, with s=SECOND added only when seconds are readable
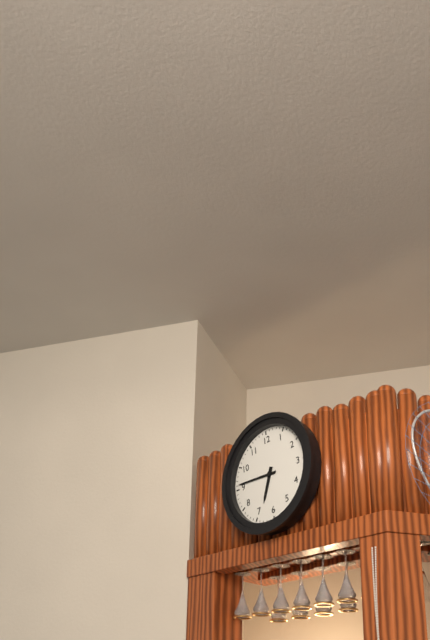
h=6 m=46
